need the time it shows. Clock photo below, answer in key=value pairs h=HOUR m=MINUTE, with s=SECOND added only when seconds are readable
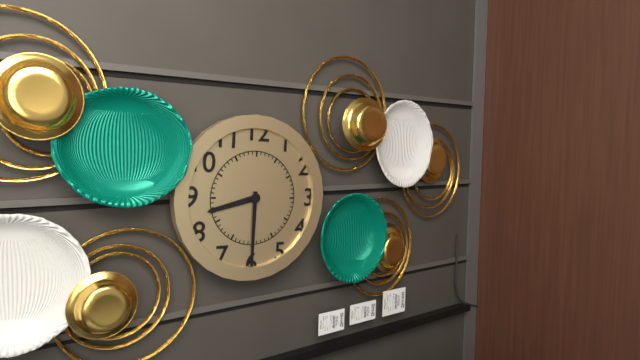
h=8 m=30
